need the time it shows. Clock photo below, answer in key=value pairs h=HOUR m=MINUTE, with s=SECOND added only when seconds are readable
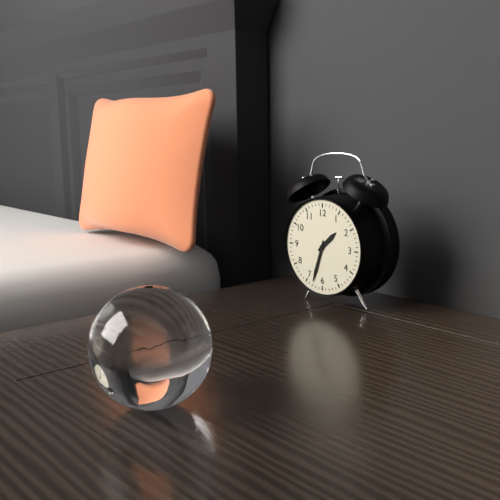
h=1 m=33
